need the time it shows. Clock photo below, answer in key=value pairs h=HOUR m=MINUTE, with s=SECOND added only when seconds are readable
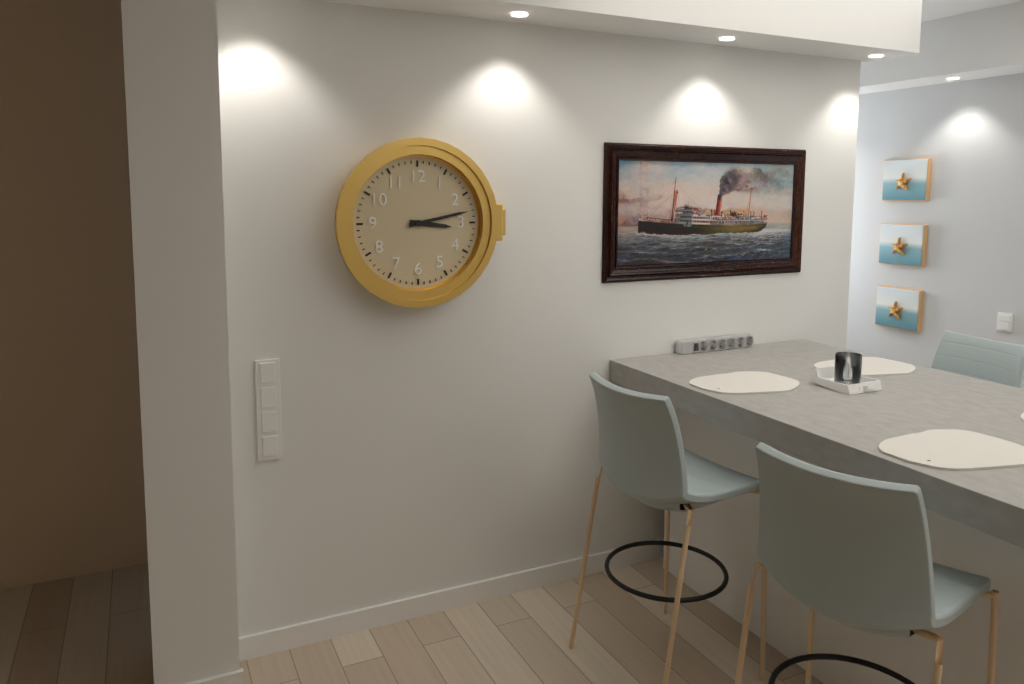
h=3 m=13
